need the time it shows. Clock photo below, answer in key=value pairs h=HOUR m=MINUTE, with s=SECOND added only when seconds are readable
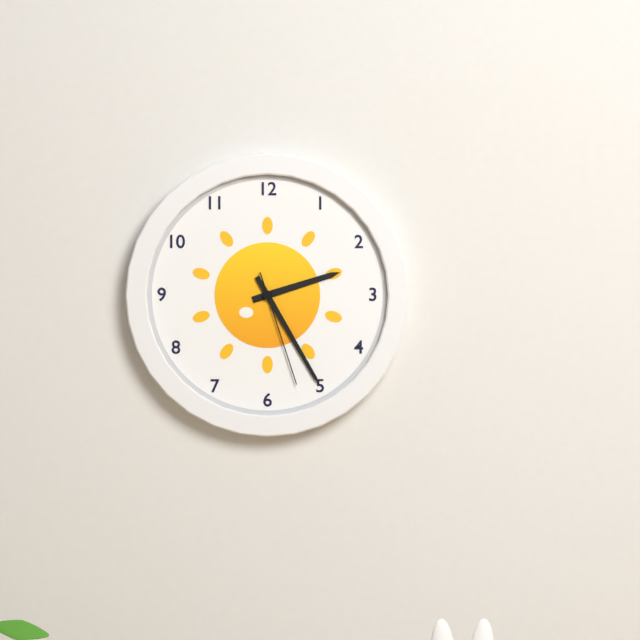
h=2 m=25 s=27
